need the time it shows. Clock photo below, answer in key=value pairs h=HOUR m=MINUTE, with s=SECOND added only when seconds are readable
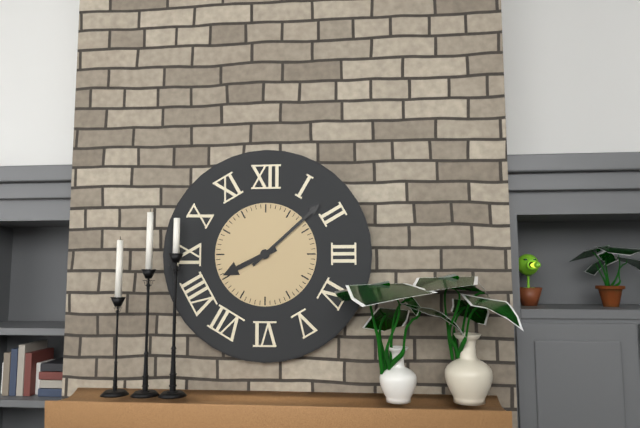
h=8 m=8
